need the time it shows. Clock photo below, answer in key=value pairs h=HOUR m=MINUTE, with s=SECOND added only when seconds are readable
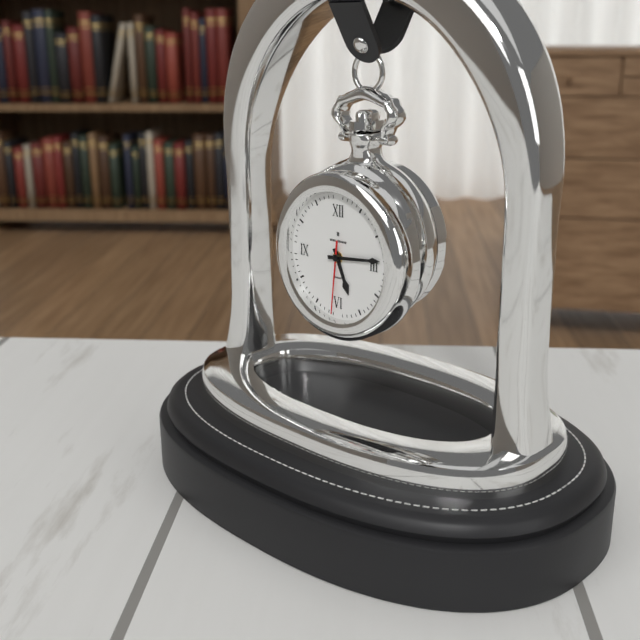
h=5 m=14 s=31
